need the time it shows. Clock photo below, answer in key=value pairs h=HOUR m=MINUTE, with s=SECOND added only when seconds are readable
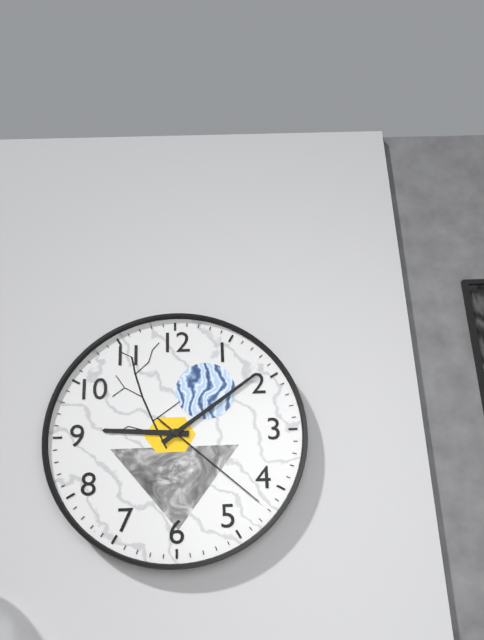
h=9 m=9 s=22
